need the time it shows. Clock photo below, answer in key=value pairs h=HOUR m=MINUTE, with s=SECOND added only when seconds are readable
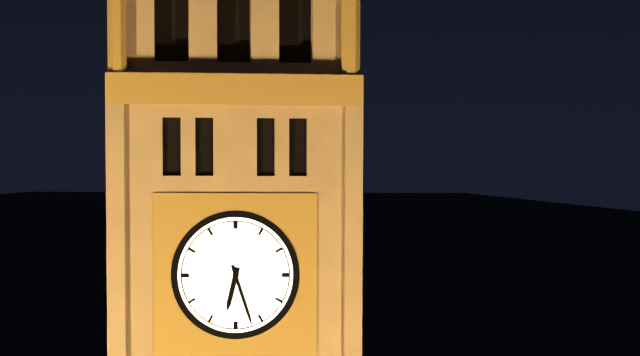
h=6 m=27
